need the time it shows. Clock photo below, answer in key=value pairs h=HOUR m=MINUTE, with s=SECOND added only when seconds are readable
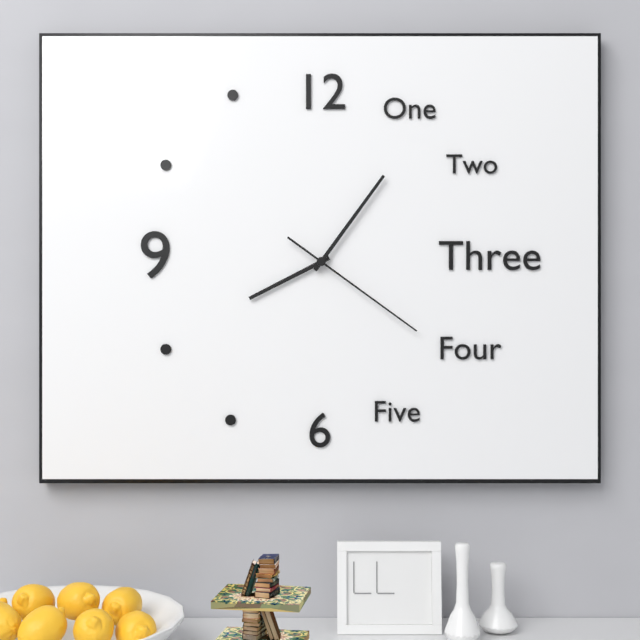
h=8 m=6 s=21
